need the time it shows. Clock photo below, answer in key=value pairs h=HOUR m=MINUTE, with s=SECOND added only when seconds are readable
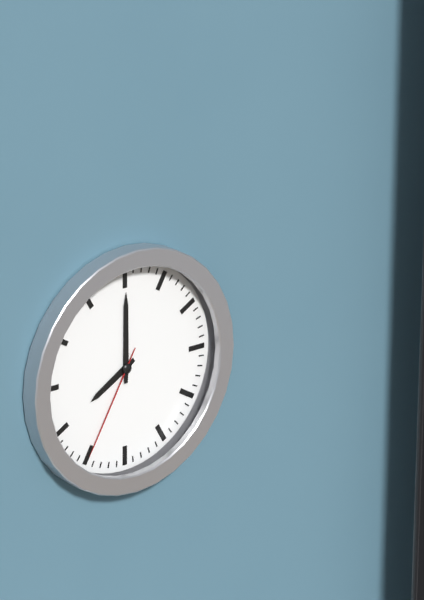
h=8 m=0 s=35
